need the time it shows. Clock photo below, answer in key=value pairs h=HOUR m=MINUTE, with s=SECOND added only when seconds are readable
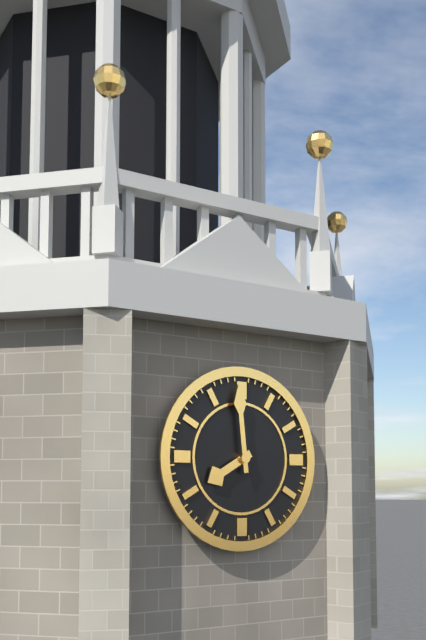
h=7 m=59
